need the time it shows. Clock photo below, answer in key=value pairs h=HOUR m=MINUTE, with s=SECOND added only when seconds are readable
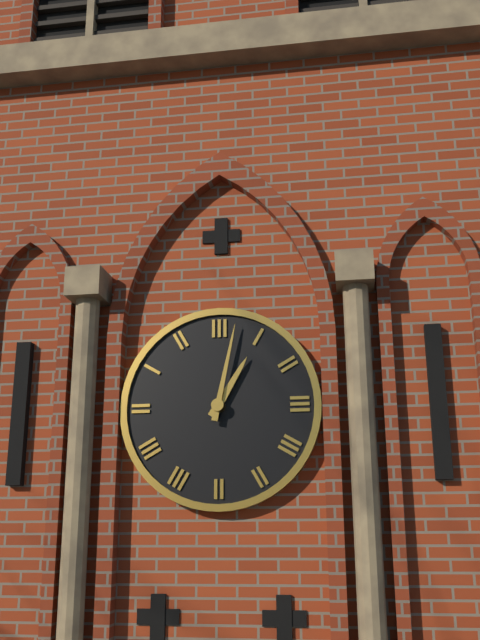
h=1 m=2
